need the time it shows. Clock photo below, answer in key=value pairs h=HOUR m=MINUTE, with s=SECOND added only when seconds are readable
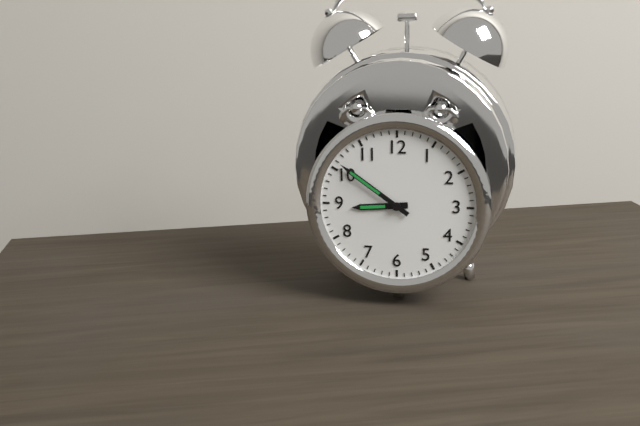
h=8 m=51
